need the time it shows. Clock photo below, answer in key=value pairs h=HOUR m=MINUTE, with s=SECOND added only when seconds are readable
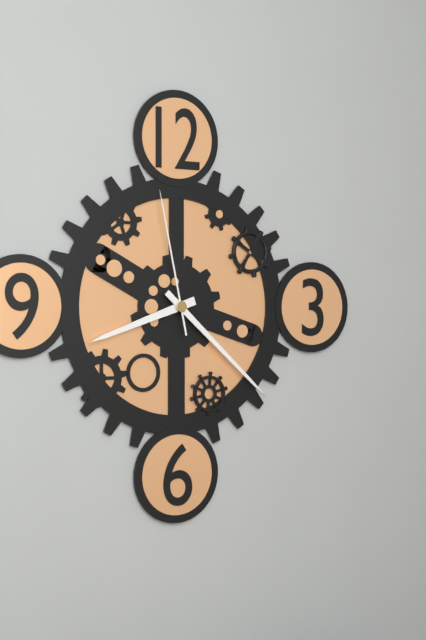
h=8 m=22 s=58
